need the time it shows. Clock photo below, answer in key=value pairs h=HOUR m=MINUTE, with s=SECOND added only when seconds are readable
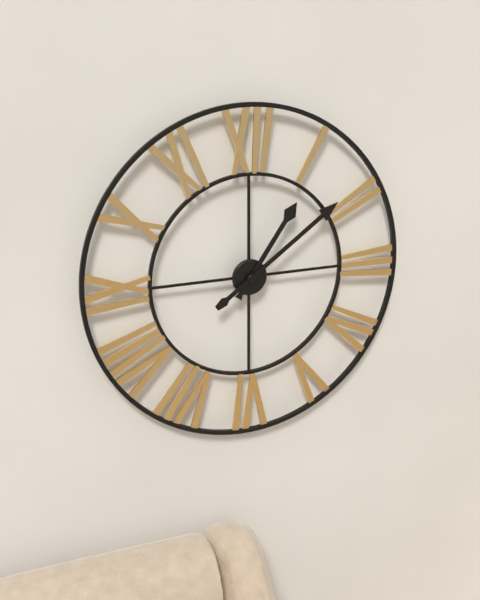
h=1 m=9
